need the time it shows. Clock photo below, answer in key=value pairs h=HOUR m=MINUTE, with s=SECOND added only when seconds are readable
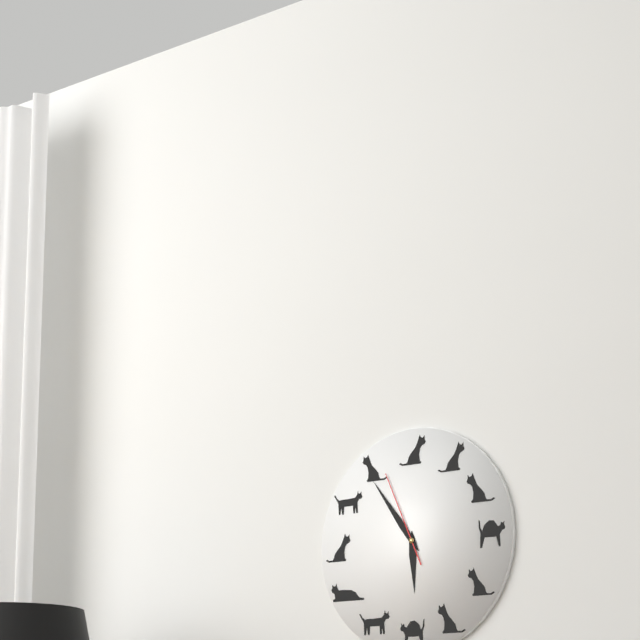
h=5 m=54 s=56
